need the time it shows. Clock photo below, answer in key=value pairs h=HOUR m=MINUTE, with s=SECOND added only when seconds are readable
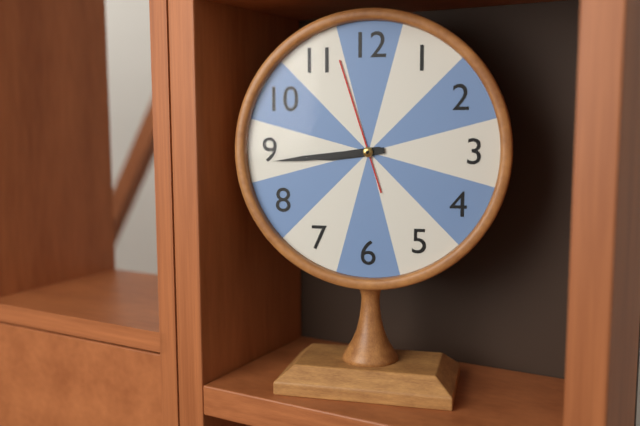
h=8 m=44 s=57
